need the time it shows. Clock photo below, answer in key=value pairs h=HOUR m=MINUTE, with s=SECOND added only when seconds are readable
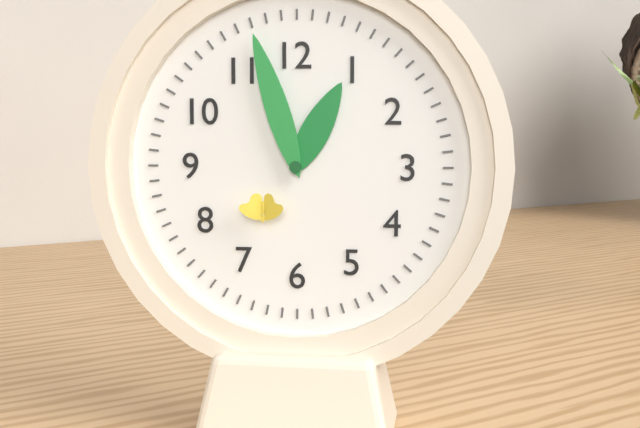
h=12 m=57
